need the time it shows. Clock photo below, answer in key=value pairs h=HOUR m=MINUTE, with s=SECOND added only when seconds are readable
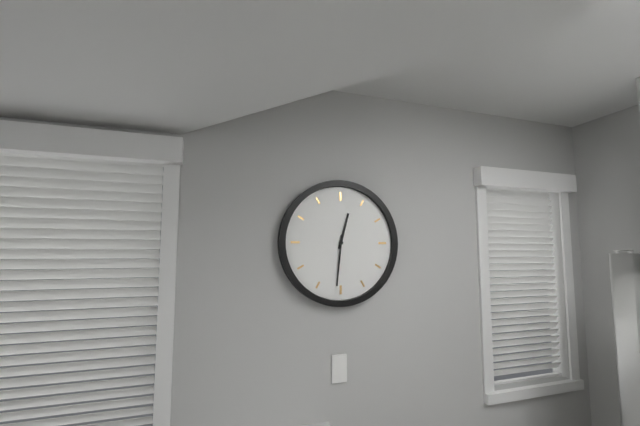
h=12 m=31
